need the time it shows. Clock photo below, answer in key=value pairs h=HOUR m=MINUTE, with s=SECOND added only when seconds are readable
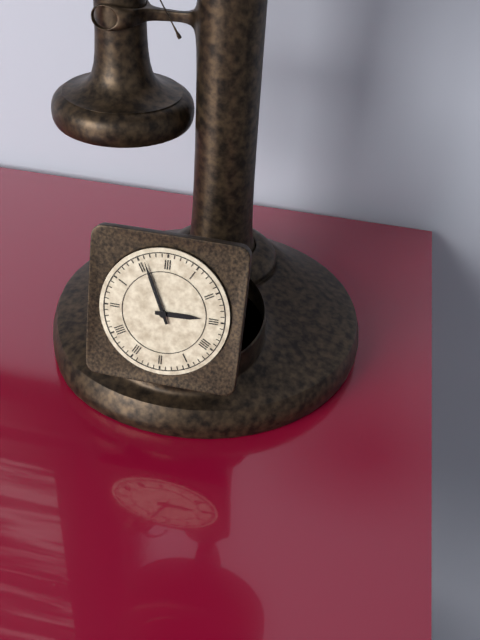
h=2 m=56
